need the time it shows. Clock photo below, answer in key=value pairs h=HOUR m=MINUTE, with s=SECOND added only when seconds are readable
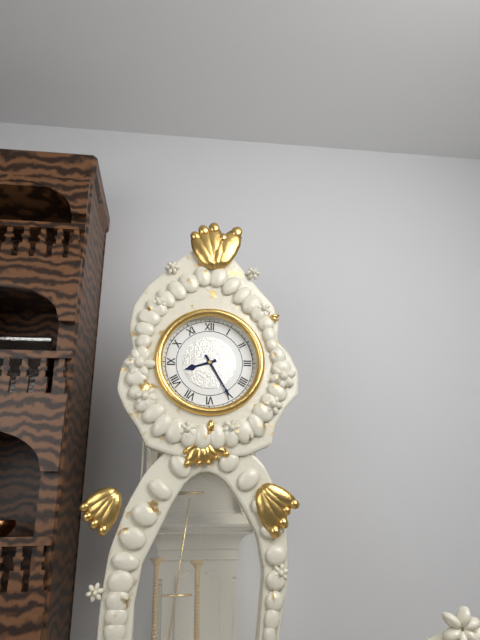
h=8 m=25
